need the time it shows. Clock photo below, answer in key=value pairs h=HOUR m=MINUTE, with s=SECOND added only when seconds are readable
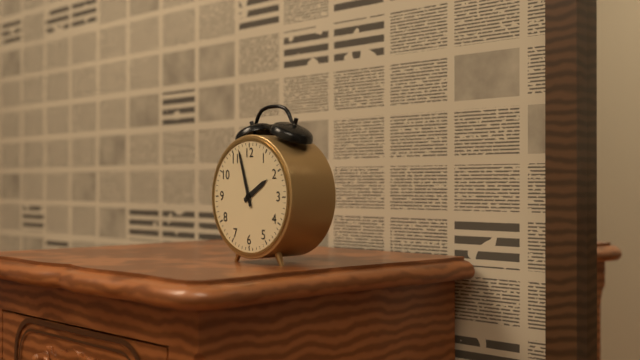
h=1 m=57
